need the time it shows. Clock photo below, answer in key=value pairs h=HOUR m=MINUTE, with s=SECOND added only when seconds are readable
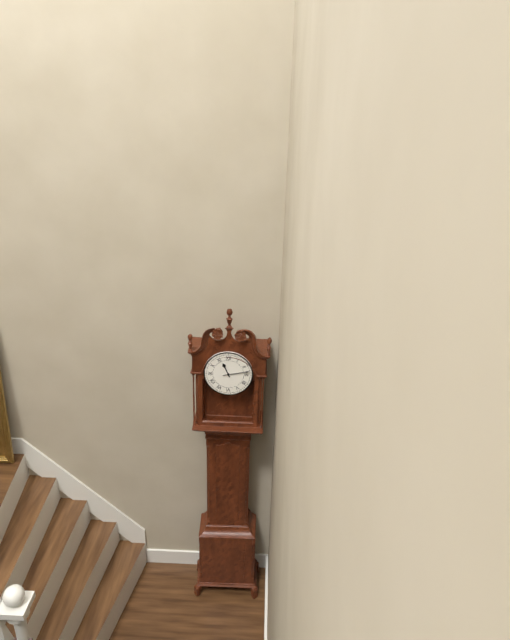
h=11 m=13
